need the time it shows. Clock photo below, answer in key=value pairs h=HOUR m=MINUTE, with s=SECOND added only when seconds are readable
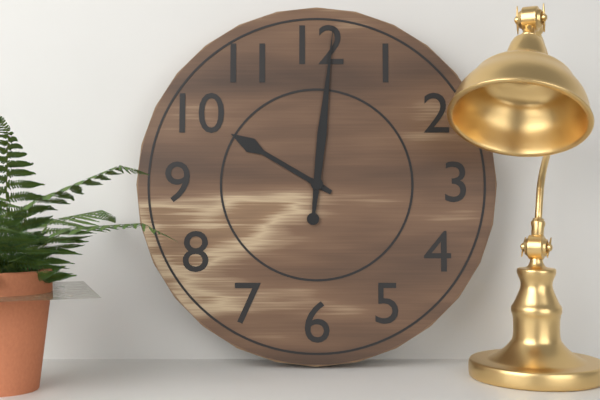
h=10 m=1
